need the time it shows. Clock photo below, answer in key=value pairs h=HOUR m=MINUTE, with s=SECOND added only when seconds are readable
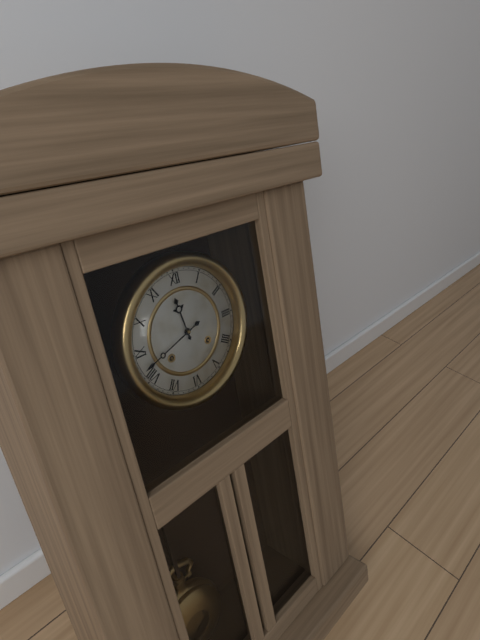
h=11 m=42
